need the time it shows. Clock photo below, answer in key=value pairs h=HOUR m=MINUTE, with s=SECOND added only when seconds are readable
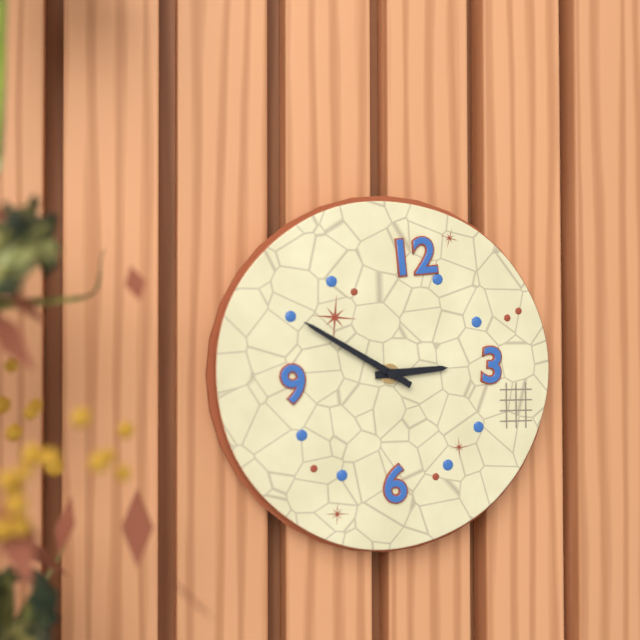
h=2 m=50
